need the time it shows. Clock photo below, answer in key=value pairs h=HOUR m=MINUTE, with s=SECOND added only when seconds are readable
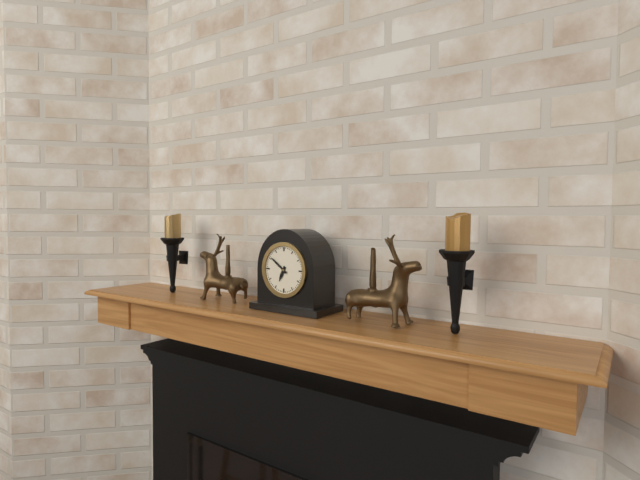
h=6 m=51
